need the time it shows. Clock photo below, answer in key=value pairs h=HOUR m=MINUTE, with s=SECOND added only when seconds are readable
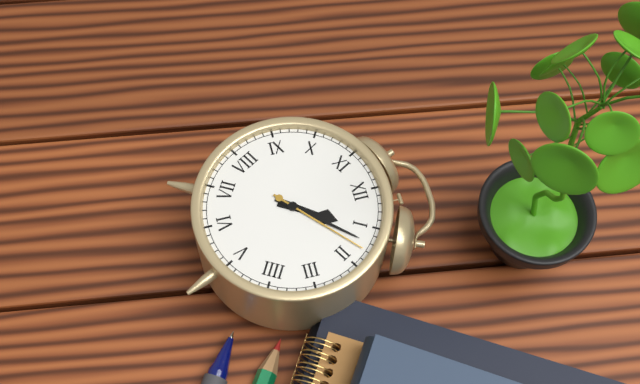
h=1 m=7 s=8
